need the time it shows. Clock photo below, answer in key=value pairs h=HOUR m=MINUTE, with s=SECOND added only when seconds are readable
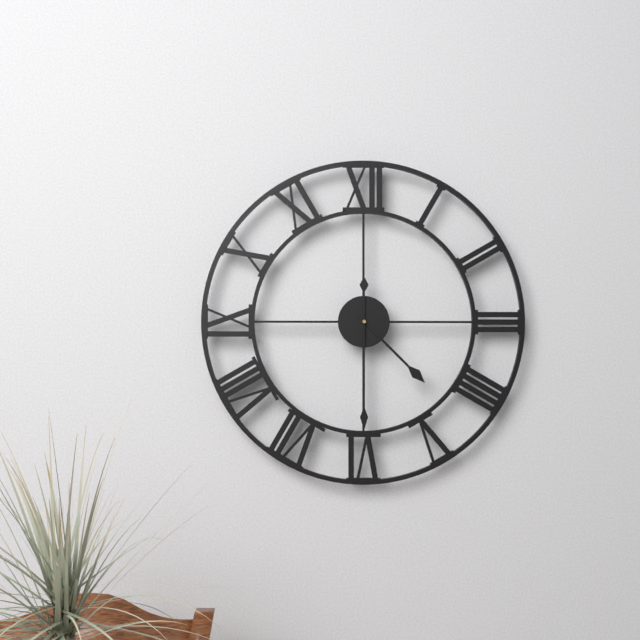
h=4 m=30
